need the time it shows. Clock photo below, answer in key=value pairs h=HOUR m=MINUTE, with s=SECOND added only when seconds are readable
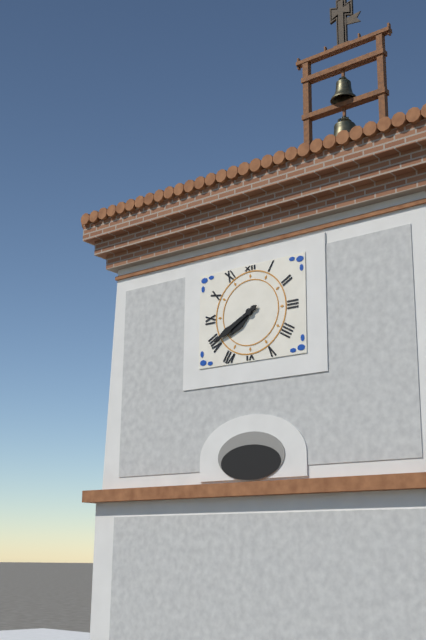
h=7 m=40
